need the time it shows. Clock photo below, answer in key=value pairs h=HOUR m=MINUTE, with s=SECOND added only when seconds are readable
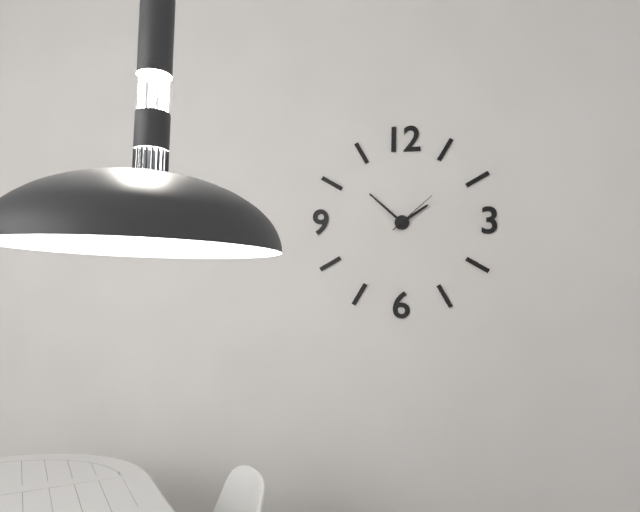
h=1 m=52 s=8
